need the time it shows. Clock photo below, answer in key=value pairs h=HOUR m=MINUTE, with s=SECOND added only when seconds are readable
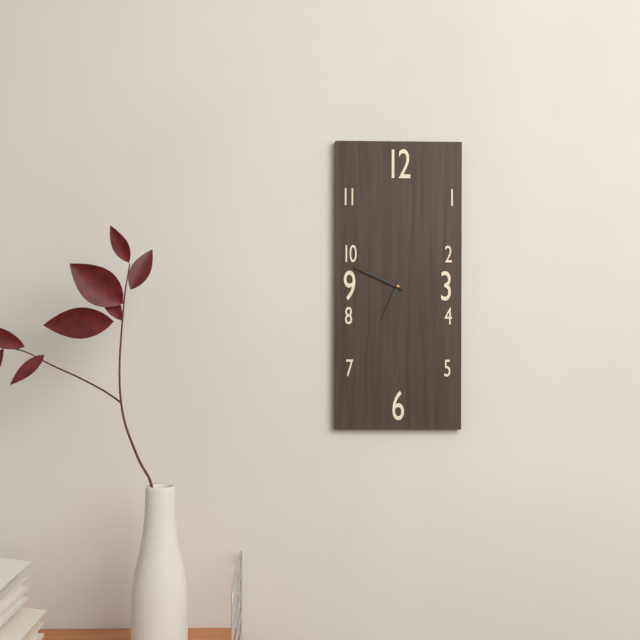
h=6 m=49
